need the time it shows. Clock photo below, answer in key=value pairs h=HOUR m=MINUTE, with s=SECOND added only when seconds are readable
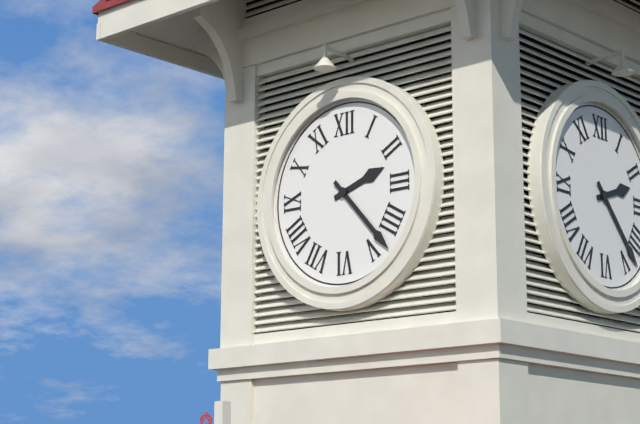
h=2 m=23
